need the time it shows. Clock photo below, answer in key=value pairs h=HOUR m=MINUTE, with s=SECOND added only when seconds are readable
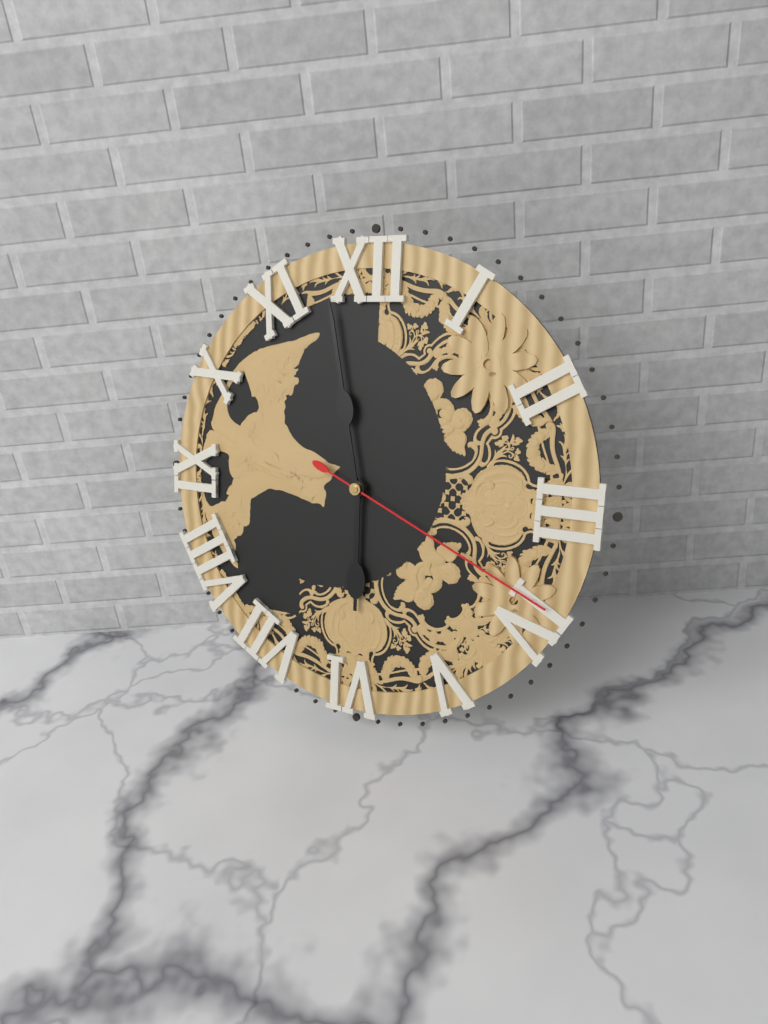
h=5 m=58 s=19
